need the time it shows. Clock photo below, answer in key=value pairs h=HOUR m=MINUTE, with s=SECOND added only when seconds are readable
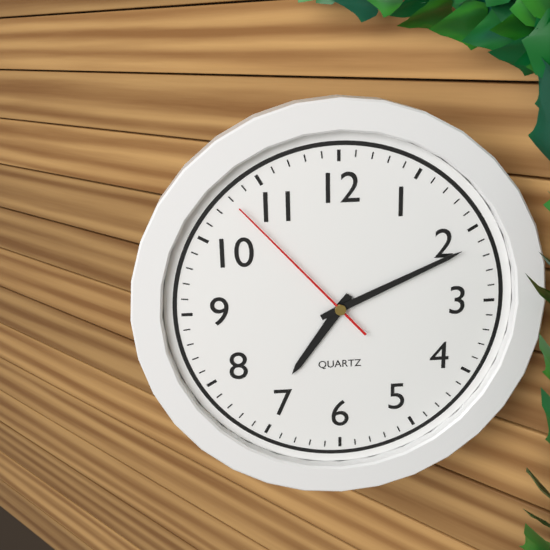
h=7 m=11 s=53
